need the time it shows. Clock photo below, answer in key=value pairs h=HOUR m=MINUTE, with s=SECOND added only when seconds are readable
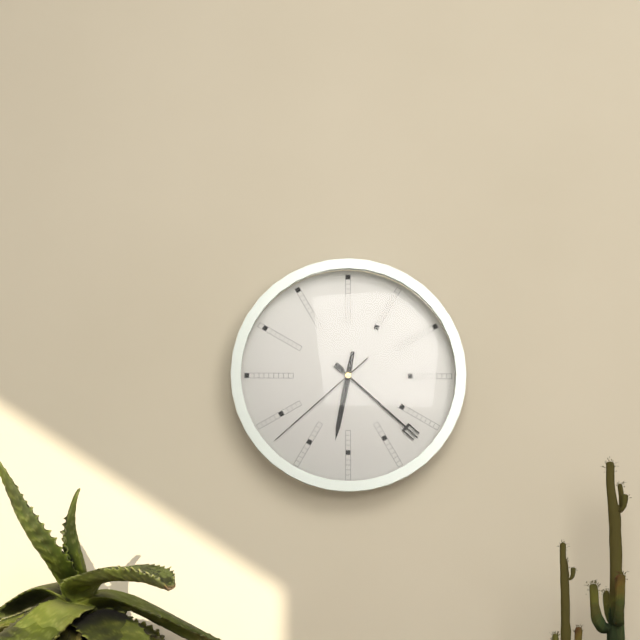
h=6 m=22 s=38
